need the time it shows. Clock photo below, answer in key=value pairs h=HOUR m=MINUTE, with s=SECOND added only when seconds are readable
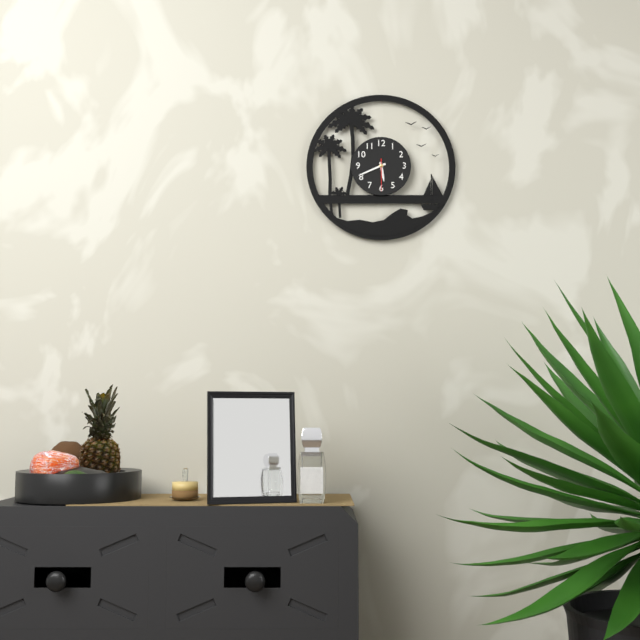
h=5 m=41
